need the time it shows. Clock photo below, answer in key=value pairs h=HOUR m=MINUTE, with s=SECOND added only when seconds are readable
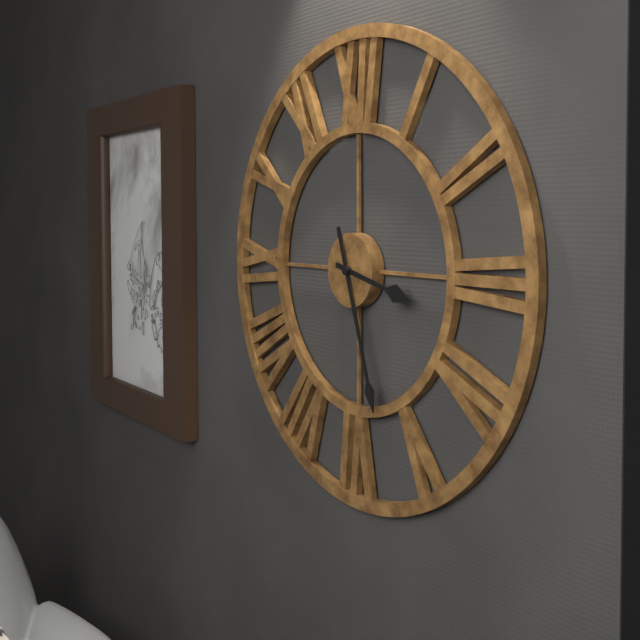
h=3 m=27
